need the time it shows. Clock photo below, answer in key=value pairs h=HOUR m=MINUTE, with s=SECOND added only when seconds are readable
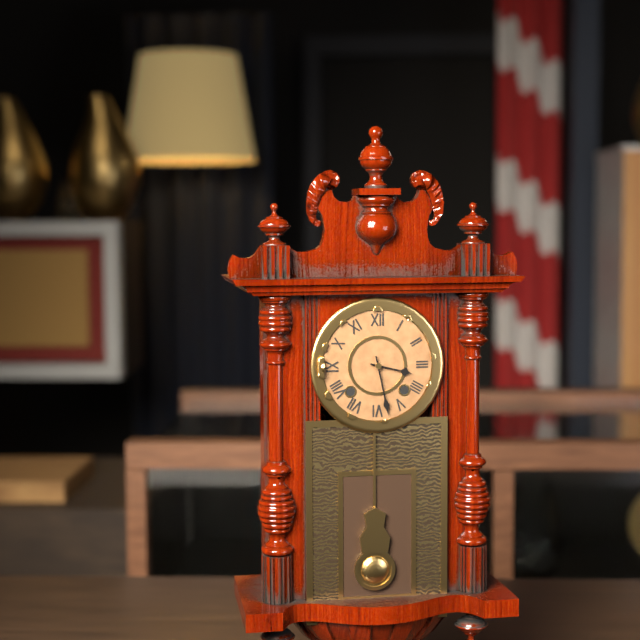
h=3 m=28
